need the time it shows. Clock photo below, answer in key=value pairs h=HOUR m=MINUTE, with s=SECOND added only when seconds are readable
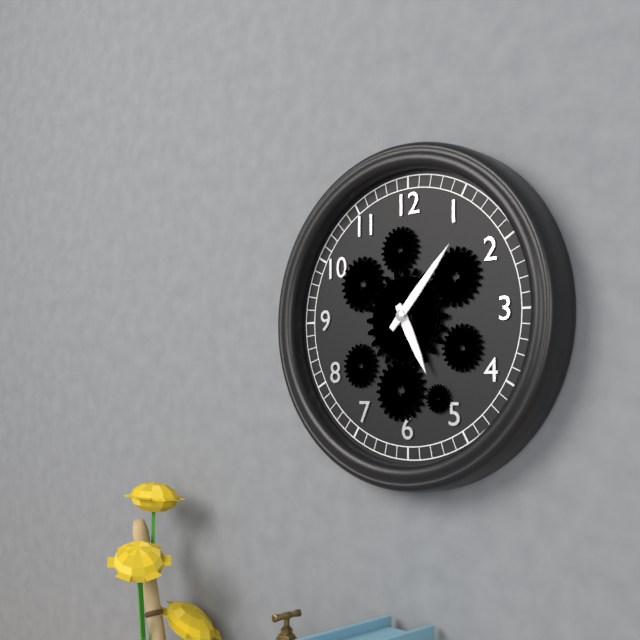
h=5 m=7
